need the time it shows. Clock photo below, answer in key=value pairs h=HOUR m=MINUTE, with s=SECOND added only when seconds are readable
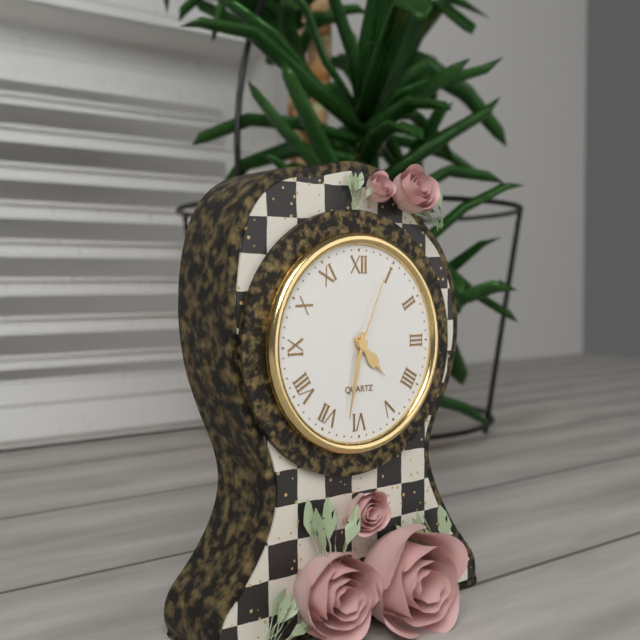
h=4 m=32 s=4
